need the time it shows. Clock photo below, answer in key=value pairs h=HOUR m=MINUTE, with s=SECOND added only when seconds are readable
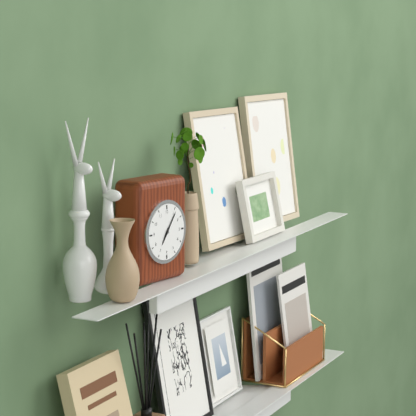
h=7 m=6
